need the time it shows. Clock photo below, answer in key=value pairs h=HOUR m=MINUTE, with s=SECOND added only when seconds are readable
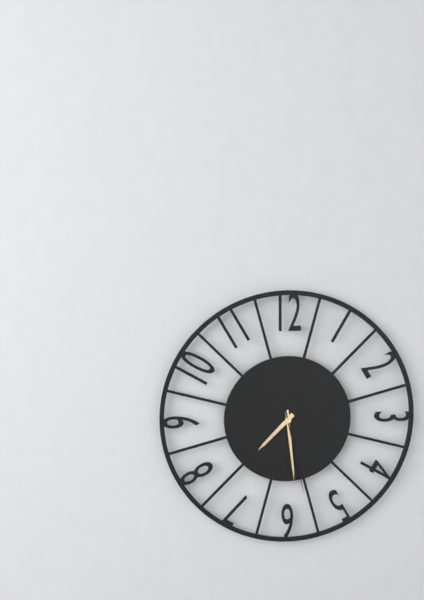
h=7 m=29 s=28
